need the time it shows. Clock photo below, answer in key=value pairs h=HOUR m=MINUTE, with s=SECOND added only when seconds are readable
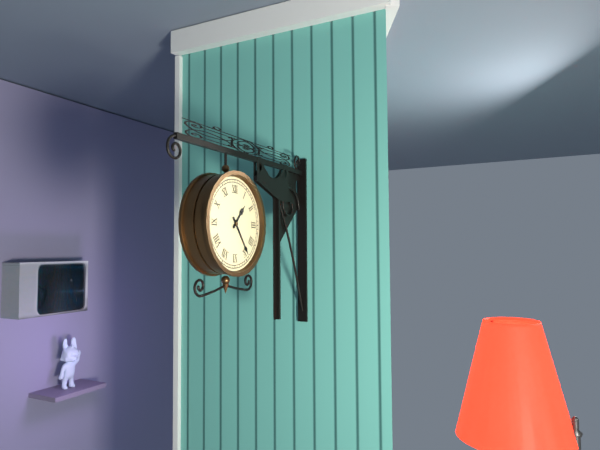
h=1 m=24
